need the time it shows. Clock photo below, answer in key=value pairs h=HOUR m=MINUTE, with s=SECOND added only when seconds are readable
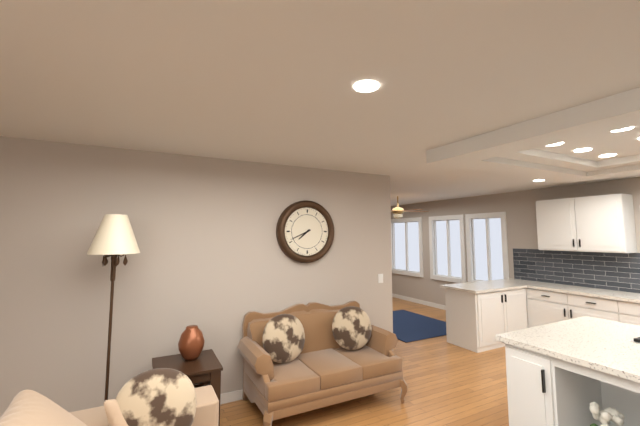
h=7 m=41
